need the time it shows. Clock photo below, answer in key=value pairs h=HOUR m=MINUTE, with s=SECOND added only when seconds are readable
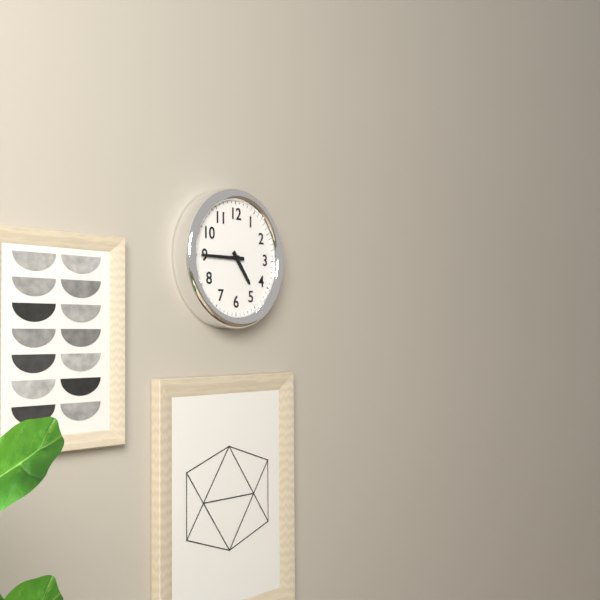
h=4 m=45
